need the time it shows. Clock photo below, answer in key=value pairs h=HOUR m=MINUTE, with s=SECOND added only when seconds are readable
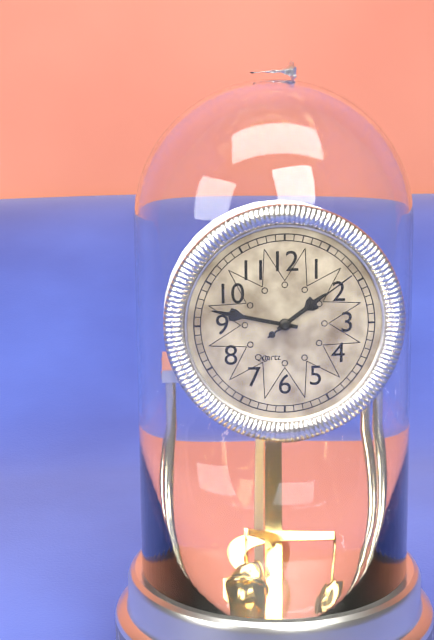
h=1 m=47 s=9
